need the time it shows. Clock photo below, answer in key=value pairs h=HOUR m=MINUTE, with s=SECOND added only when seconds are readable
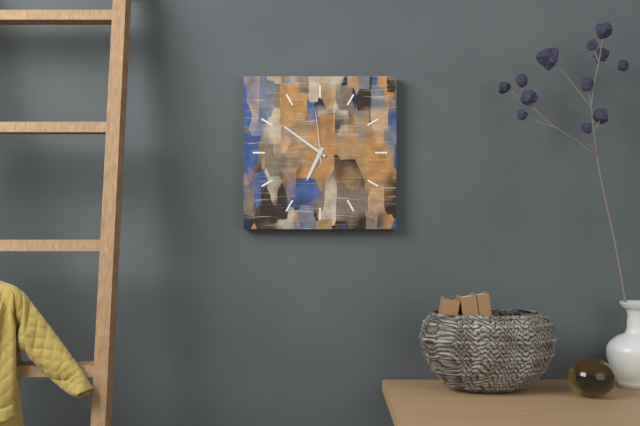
h=6 m=51 s=59
